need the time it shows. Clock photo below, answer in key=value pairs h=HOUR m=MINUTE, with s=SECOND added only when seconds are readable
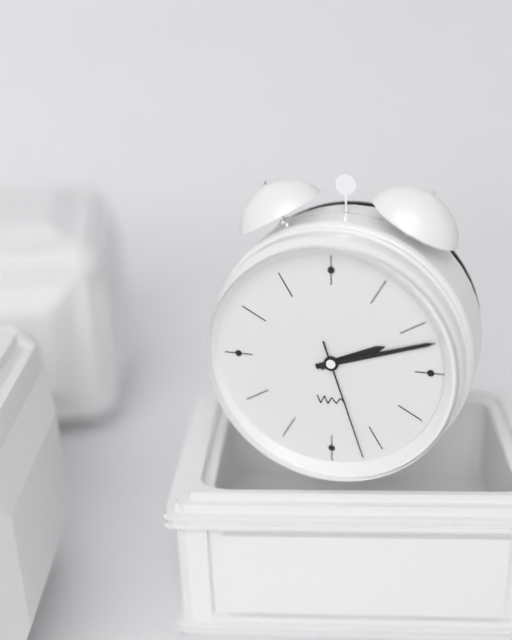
h=2 m=12 s=27
